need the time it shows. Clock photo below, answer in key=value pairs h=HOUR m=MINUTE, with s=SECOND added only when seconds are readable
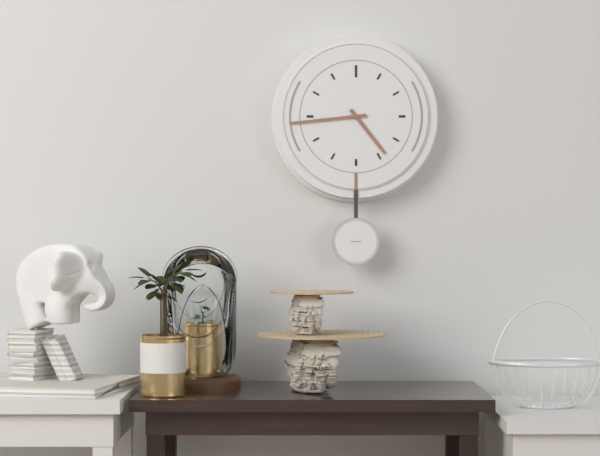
h=4 m=44
